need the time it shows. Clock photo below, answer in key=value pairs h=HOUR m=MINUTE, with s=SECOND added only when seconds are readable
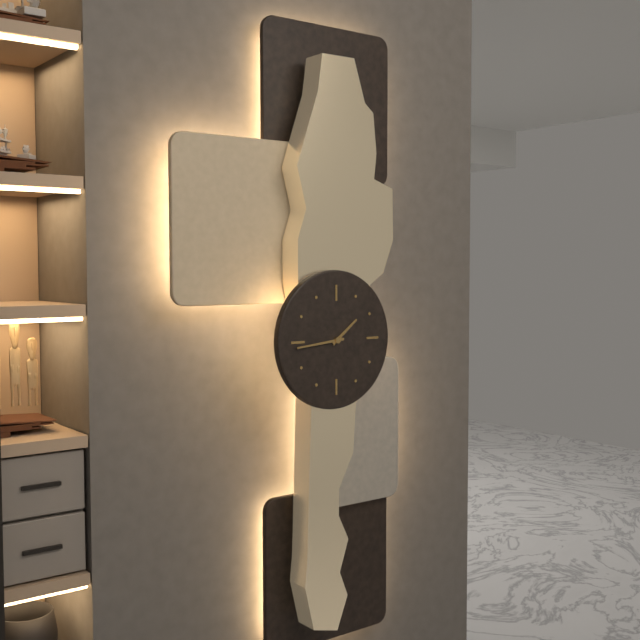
h=1 m=44
